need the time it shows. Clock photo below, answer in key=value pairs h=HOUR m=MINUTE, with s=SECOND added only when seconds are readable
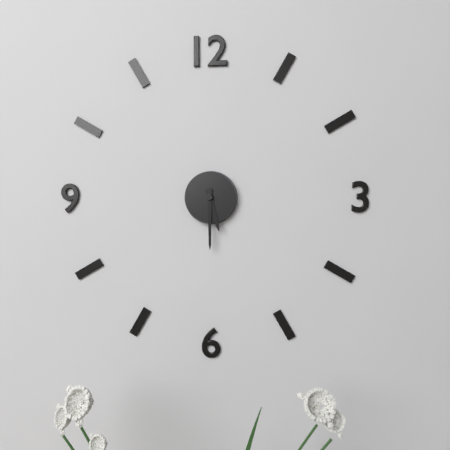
h=5 m=30
